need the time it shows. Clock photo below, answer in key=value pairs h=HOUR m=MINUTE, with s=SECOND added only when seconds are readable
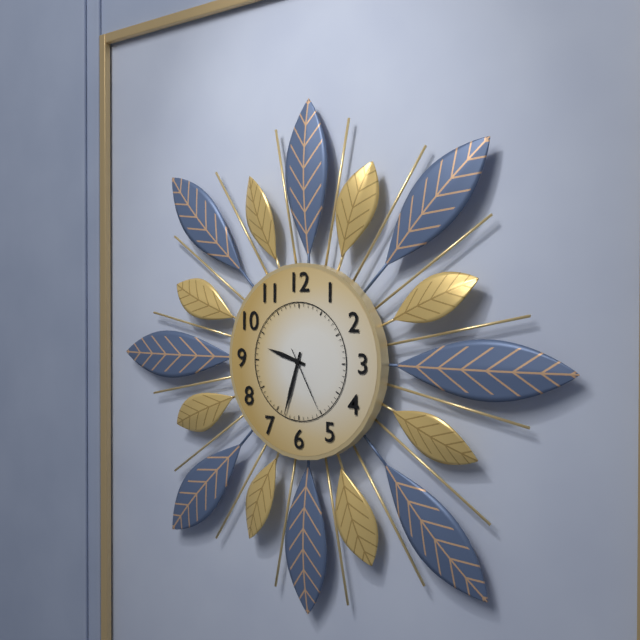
h=9 m=33 s=25
